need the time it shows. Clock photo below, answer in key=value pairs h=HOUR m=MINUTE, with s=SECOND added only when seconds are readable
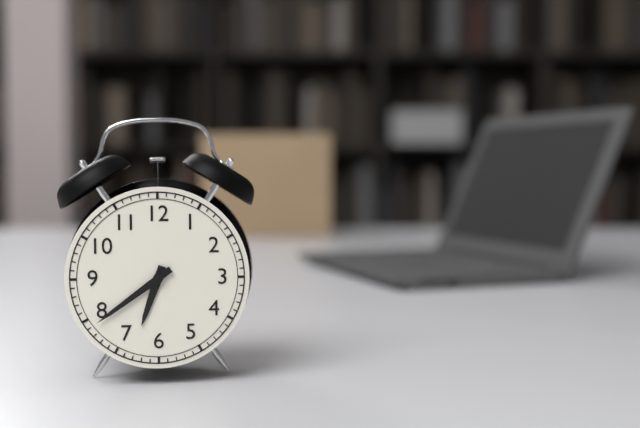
h=6 m=39
